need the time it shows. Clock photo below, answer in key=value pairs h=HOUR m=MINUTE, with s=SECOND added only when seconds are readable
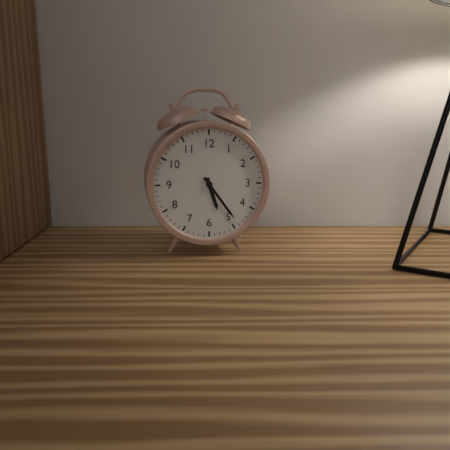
h=5 m=24
